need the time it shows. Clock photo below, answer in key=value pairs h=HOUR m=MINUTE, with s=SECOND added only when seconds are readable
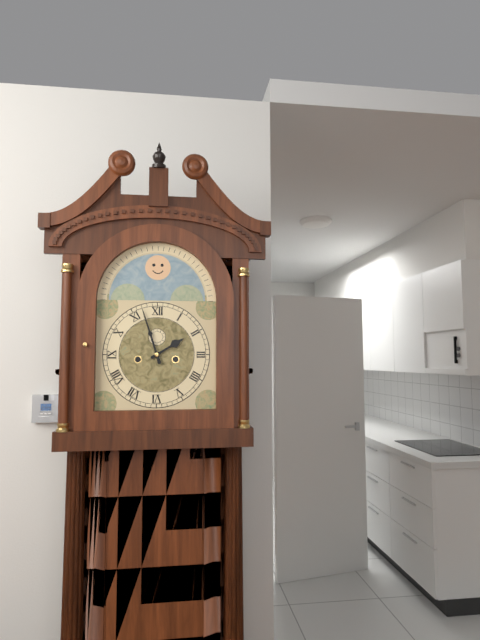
h=1 m=57
